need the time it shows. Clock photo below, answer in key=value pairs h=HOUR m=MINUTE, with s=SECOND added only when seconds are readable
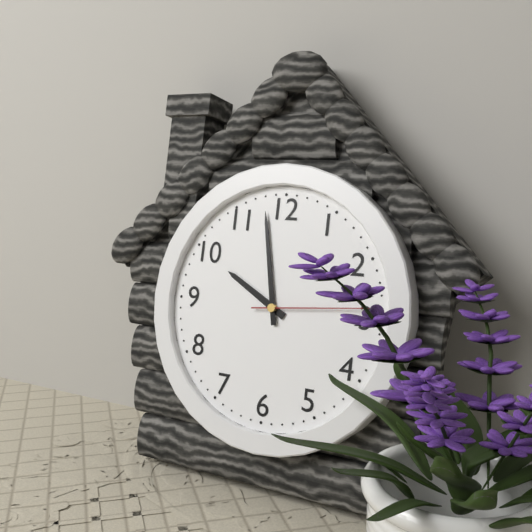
h=9 m=58 s=14
